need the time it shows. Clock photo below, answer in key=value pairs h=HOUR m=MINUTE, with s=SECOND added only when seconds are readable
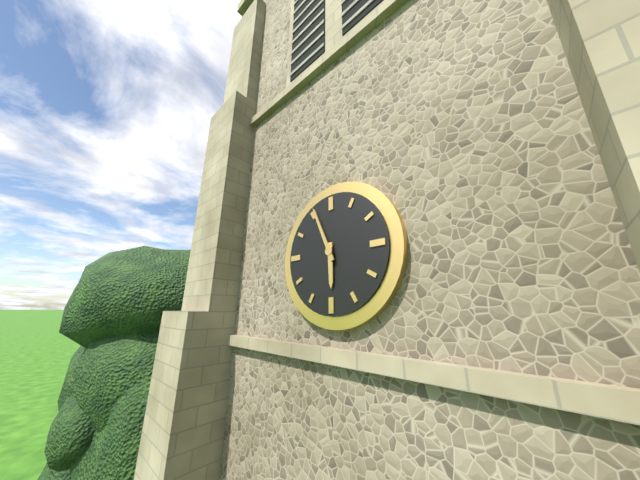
h=5 m=56
